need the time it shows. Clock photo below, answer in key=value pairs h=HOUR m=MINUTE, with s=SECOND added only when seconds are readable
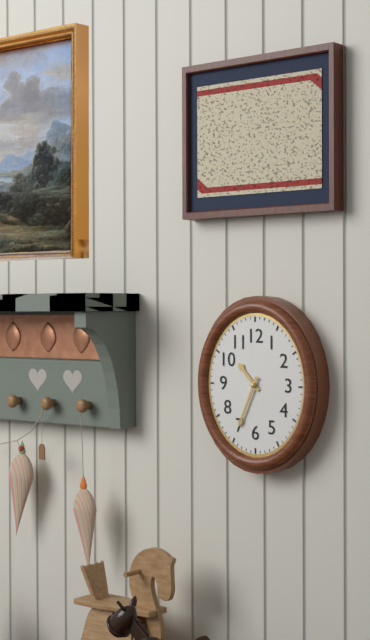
h=10 m=34
